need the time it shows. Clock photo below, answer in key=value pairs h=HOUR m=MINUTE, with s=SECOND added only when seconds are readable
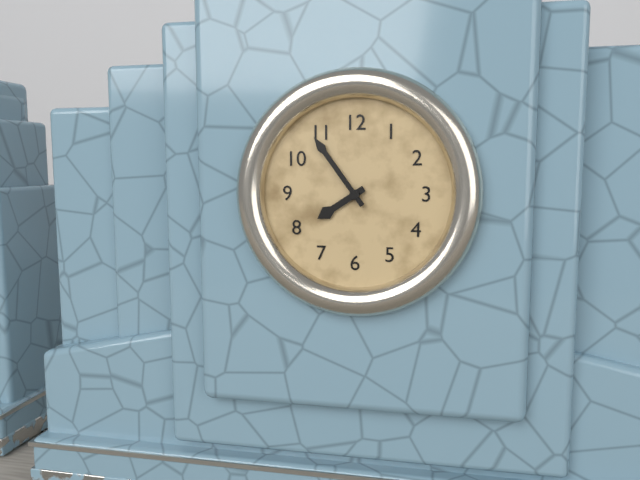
h=7 m=54
